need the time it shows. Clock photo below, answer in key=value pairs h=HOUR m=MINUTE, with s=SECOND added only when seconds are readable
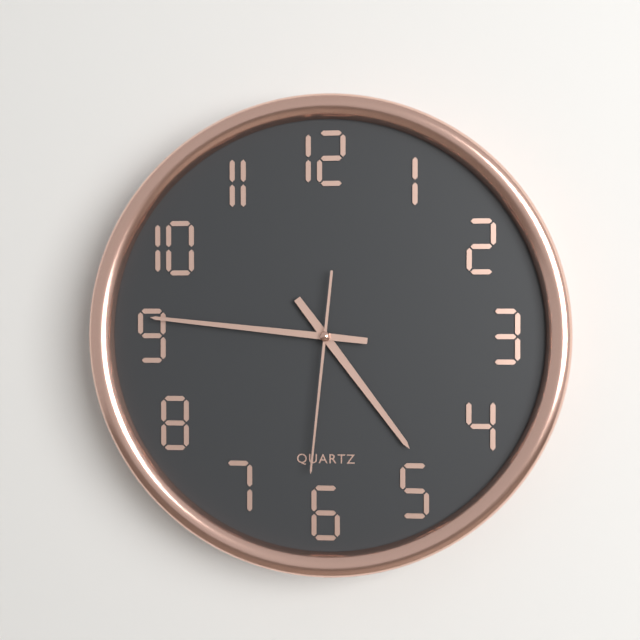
h=4 m=46 s=31
